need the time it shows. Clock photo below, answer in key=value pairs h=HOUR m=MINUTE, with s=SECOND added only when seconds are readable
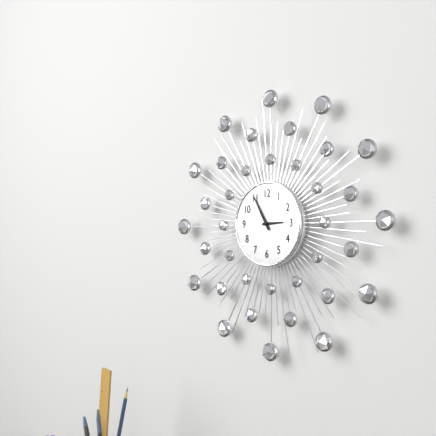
h=2 m=55
